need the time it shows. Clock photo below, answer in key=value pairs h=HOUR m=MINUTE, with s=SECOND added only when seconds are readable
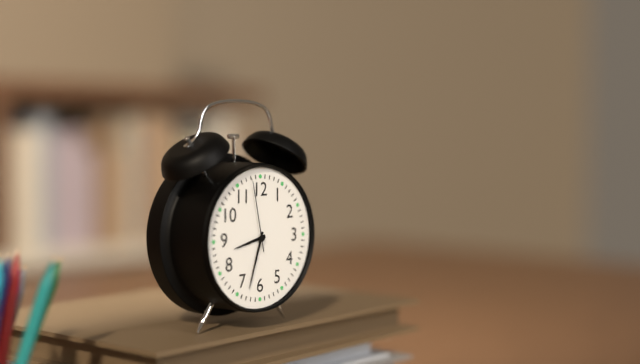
h=8 m=33 s=58
